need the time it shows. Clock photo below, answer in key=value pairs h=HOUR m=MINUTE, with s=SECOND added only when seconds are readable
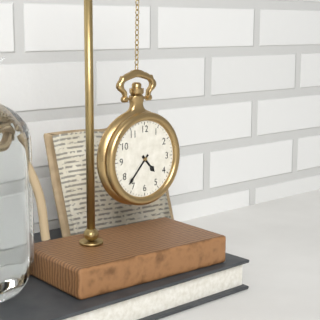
h=4 m=37
